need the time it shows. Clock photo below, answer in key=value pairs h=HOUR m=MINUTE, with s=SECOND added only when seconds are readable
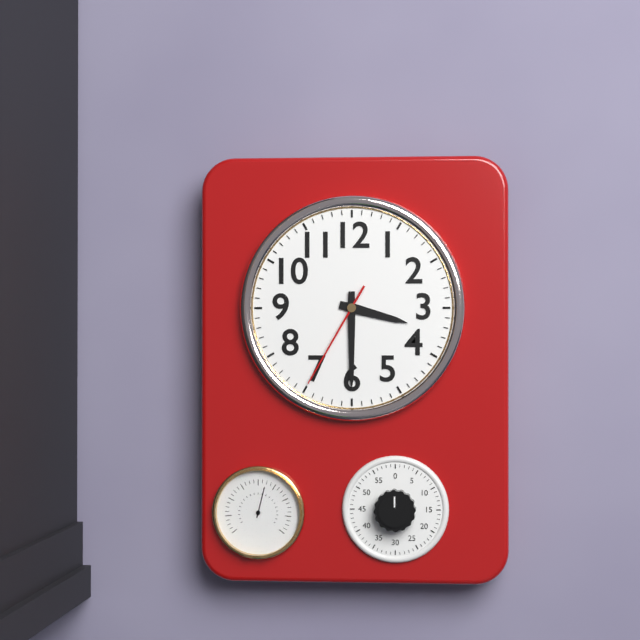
h=3 m=30 s=35
